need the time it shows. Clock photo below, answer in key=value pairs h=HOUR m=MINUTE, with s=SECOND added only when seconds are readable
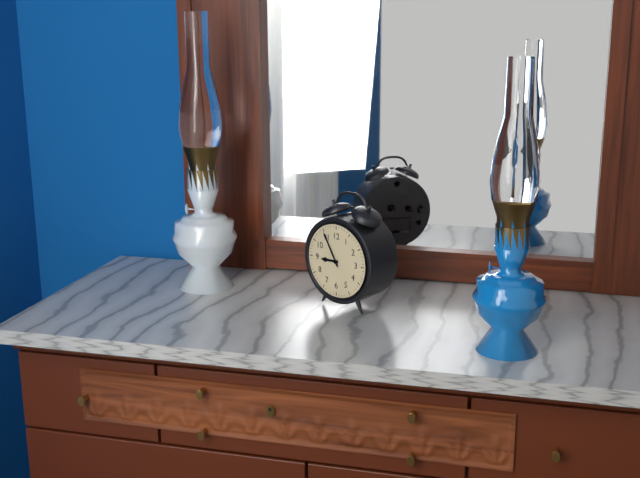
h=8 m=55
